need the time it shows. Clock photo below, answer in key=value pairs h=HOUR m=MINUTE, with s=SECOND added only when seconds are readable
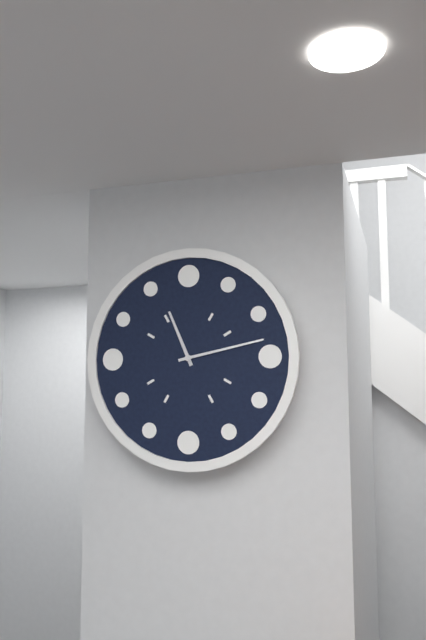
h=11 m=13
